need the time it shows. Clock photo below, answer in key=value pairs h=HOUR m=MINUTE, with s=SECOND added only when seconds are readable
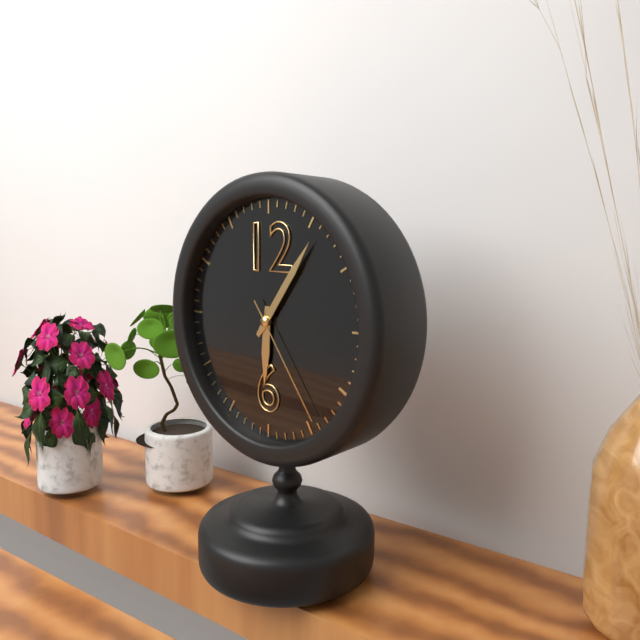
h=6 m=6 s=24
